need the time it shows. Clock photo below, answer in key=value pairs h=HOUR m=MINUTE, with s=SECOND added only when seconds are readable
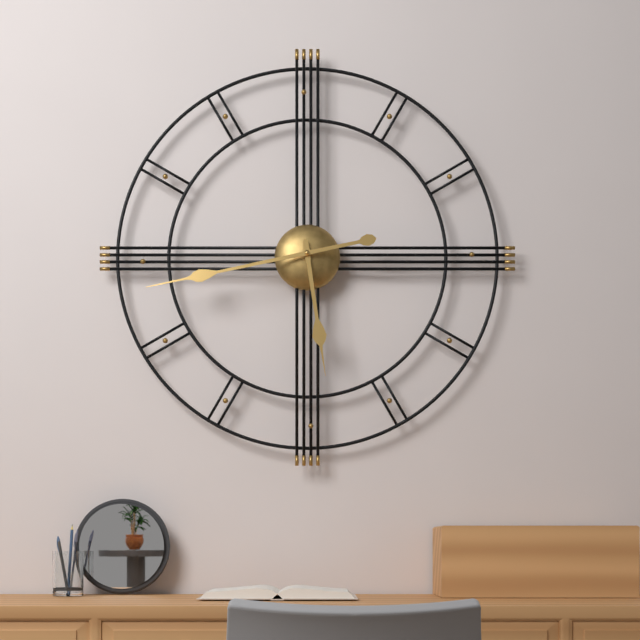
h=5 m=43
